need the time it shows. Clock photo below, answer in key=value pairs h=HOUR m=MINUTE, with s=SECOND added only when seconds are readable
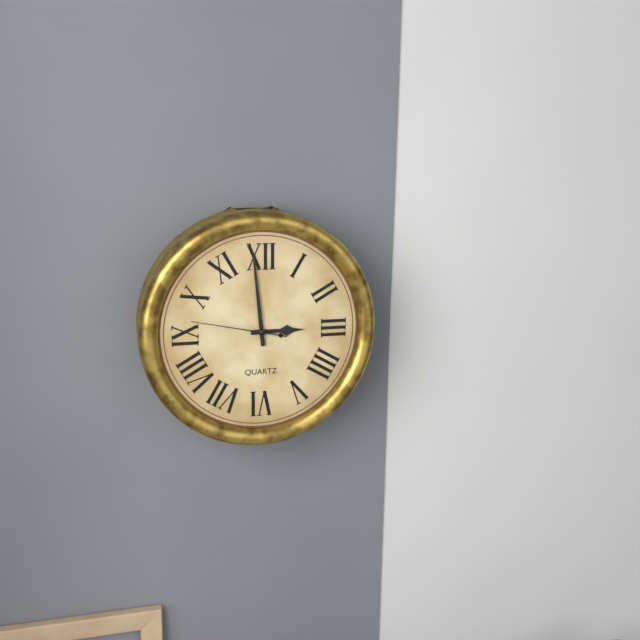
h=2 m=59 s=47
